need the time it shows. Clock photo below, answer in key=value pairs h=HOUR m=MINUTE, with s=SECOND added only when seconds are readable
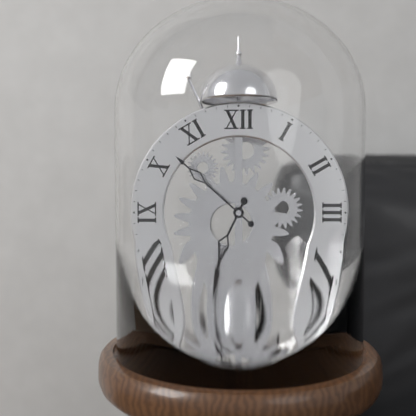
h=6 m=52
